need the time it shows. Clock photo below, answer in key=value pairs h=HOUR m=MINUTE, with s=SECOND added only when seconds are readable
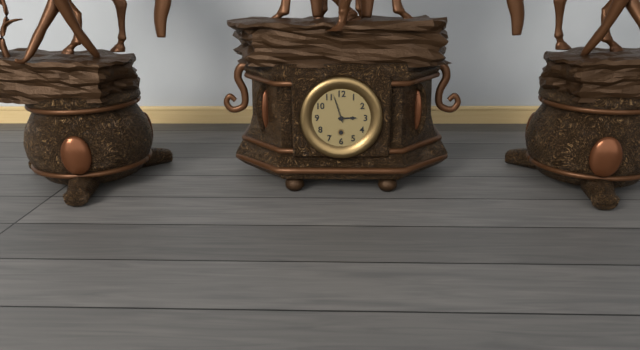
h=2 m=57
